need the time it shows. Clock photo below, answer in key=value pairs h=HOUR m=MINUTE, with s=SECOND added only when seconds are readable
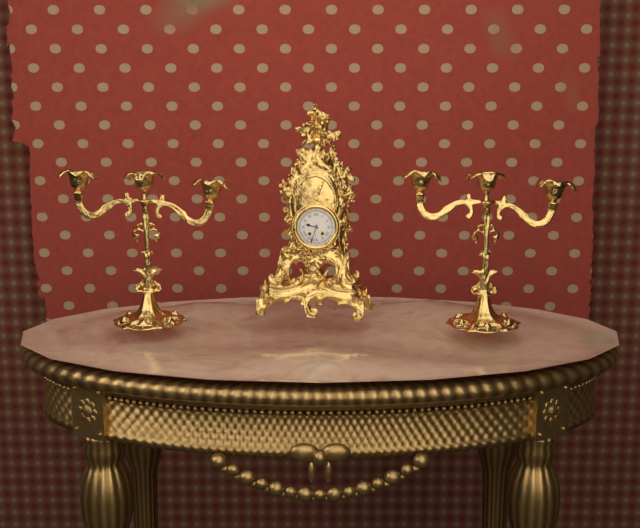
h=9 m=33
